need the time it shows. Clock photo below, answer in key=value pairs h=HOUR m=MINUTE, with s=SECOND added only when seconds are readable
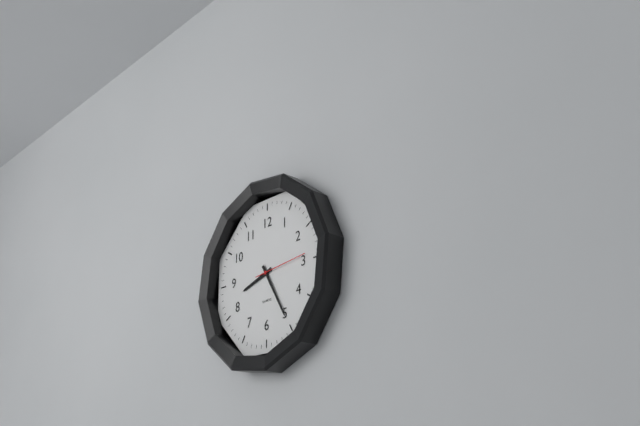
h=8 m=25 s=14
